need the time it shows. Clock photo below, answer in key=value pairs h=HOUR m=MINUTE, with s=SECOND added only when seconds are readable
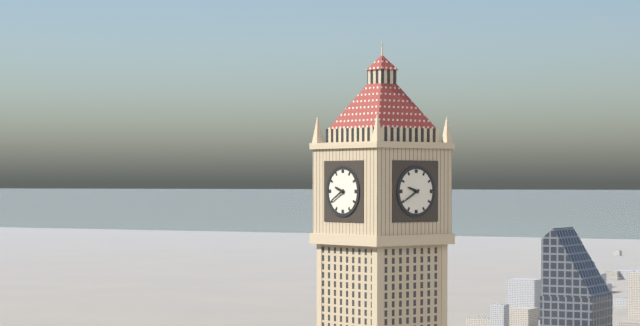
h=9 m=40
